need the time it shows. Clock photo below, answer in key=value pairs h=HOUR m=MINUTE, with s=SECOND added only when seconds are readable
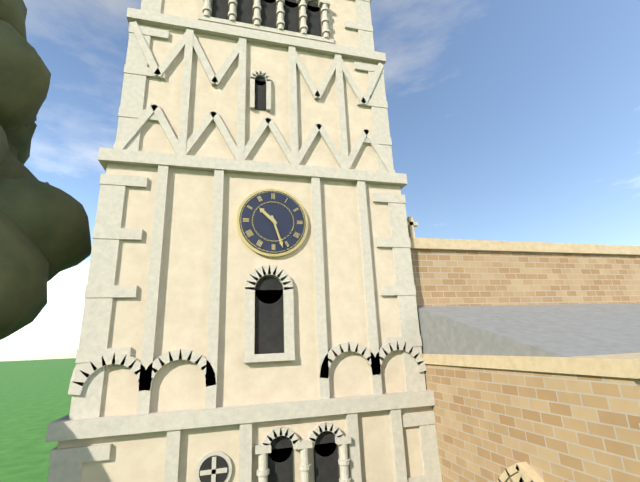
h=10 m=27
